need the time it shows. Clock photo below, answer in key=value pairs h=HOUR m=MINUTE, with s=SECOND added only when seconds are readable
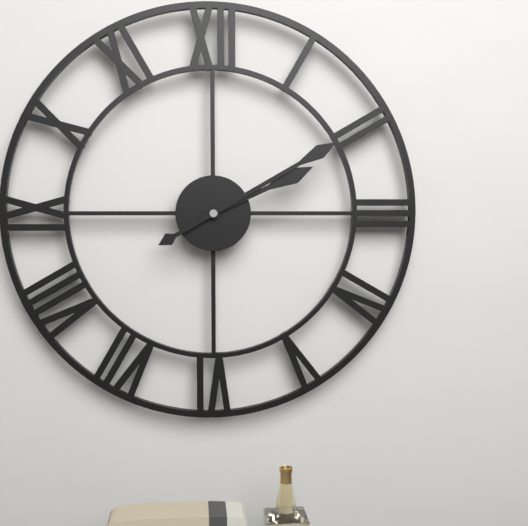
h=2 m=10
